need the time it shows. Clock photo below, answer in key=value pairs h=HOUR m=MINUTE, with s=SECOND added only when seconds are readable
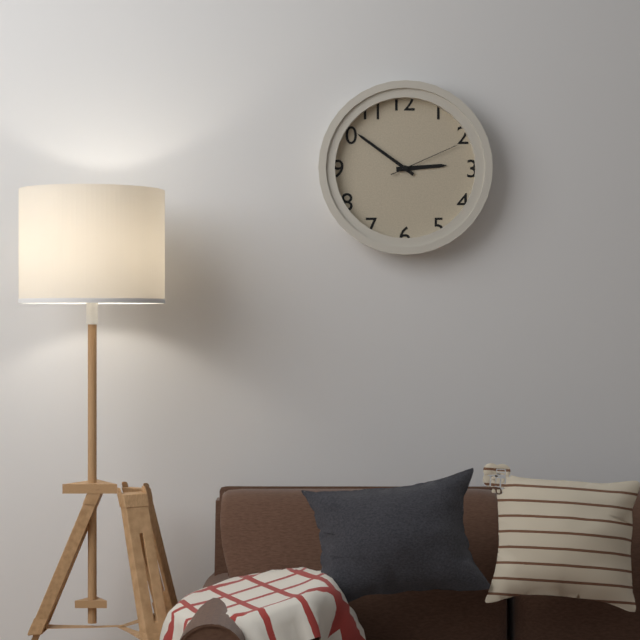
h=2 m=51 s=11
